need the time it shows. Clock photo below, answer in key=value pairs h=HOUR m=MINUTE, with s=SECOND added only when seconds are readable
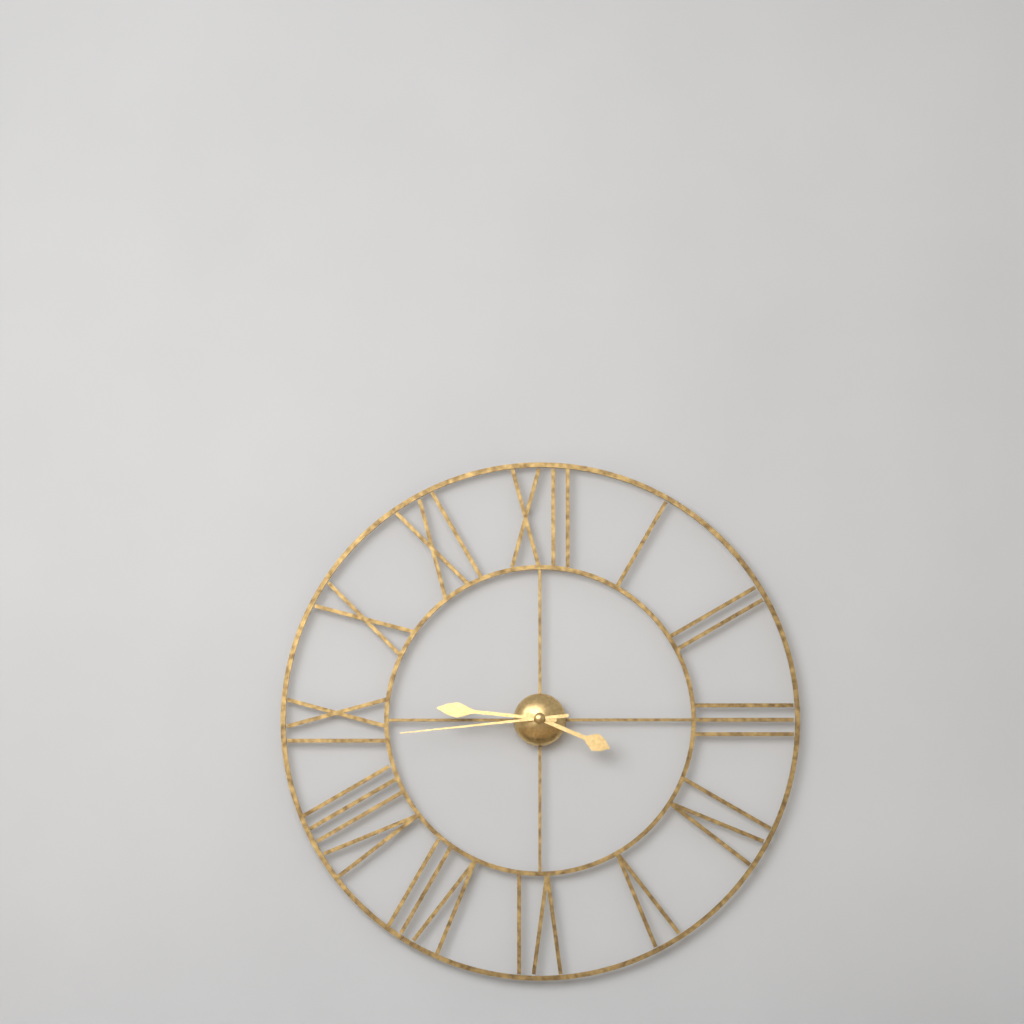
h=3 m=46 s=44
